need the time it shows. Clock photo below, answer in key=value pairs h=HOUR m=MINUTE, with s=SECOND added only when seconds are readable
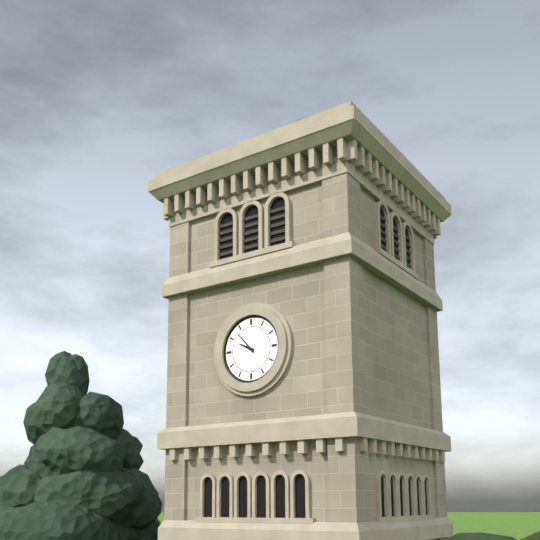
h=9 m=53
